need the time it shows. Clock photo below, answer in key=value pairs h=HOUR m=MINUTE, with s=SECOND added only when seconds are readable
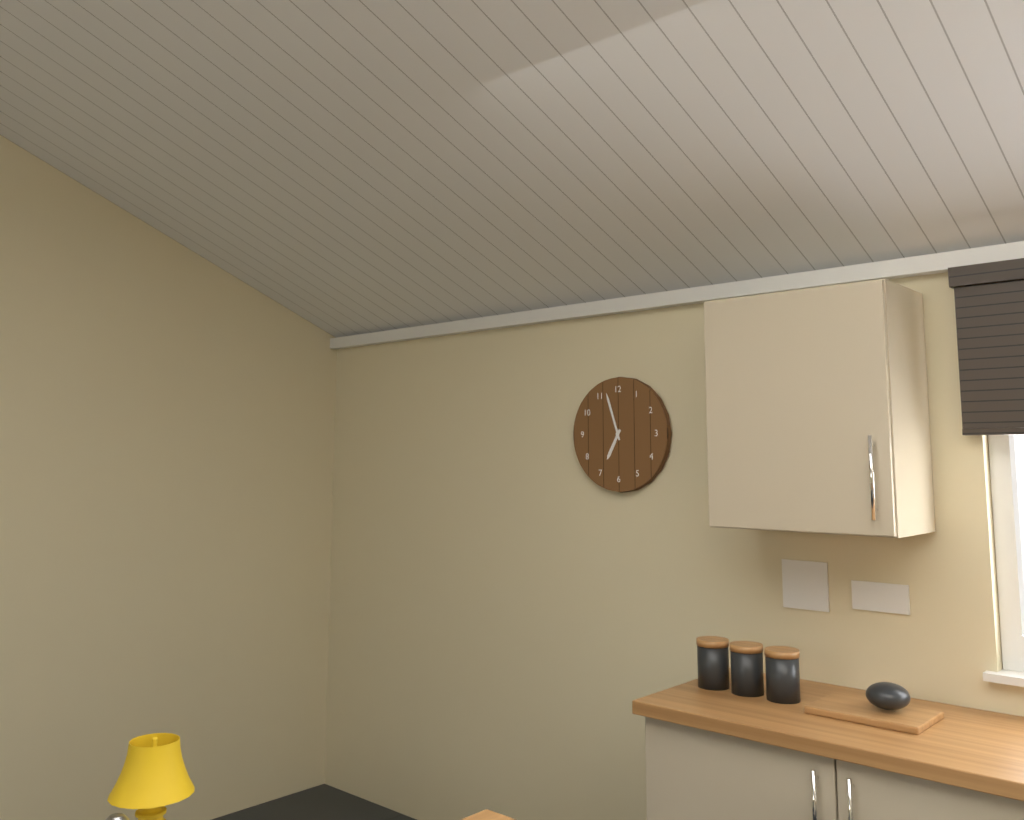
h=6 m=57
